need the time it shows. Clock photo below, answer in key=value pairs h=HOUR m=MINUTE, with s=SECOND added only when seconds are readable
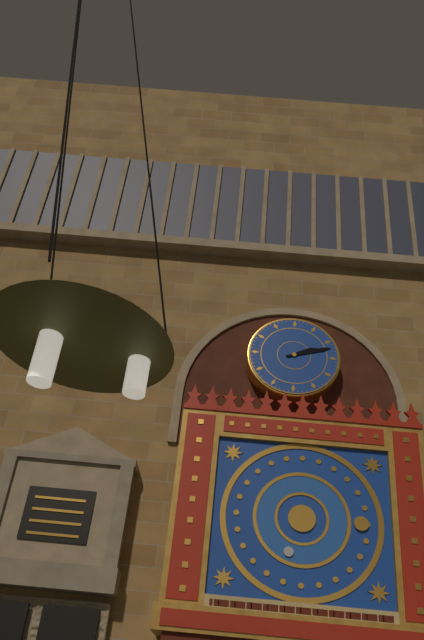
h=2 m=12
